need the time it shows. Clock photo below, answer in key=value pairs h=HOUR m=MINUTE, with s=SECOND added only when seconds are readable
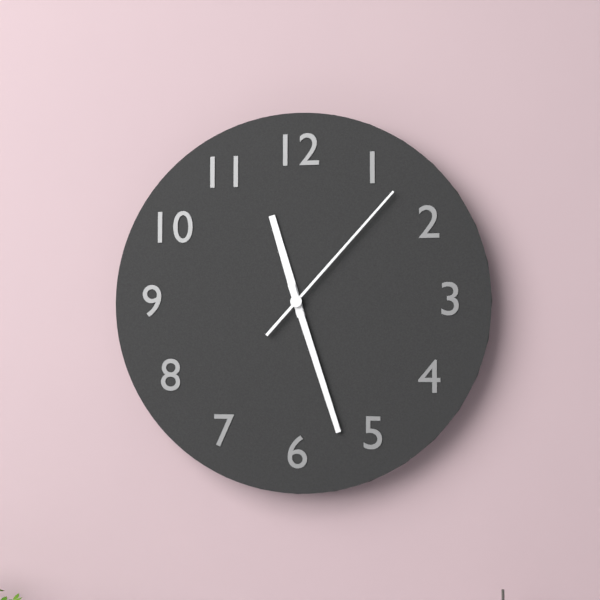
h=11 m=27 s=7
